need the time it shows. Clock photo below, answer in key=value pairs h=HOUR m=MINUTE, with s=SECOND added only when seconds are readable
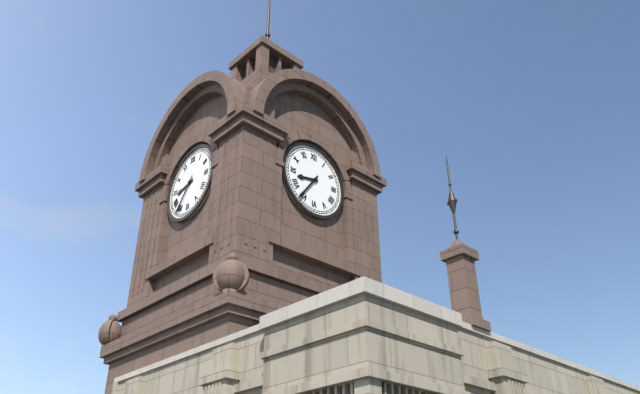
h=8 m=36
